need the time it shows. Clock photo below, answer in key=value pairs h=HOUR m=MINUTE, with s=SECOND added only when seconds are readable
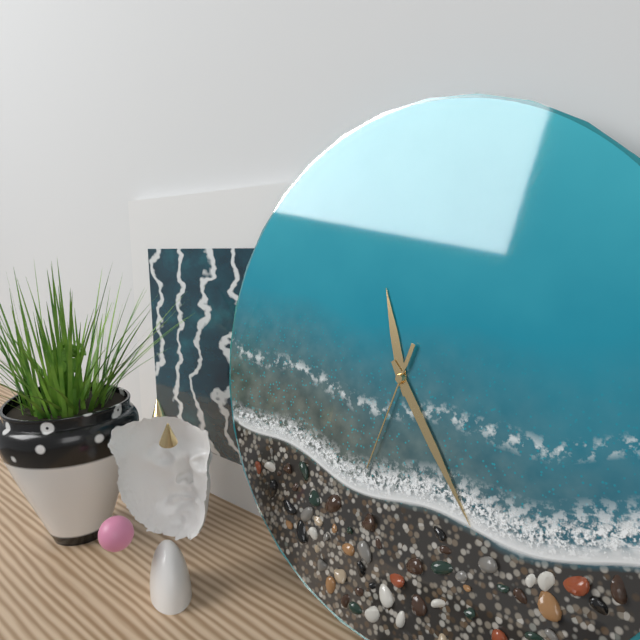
h=11 m=24 s=33
